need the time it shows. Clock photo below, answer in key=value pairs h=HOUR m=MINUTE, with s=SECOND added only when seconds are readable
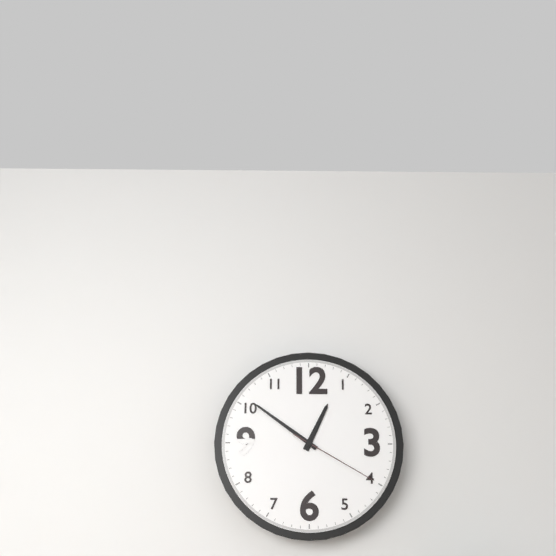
h=12 m=51 s=20
